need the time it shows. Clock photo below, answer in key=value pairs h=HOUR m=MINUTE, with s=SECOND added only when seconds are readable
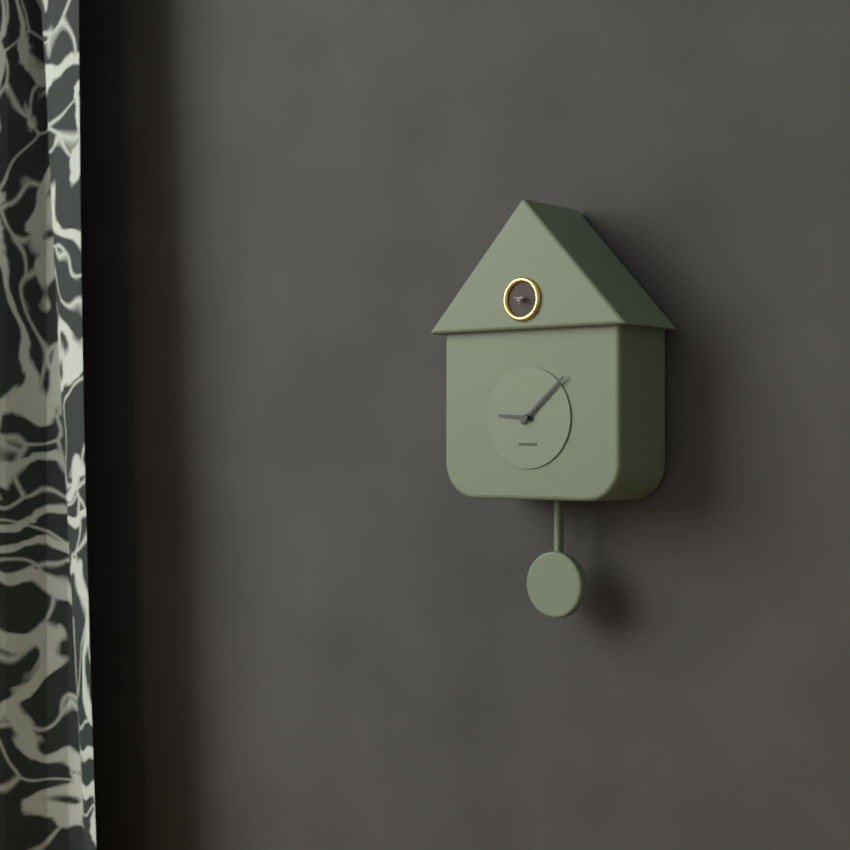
h=9 m=8
